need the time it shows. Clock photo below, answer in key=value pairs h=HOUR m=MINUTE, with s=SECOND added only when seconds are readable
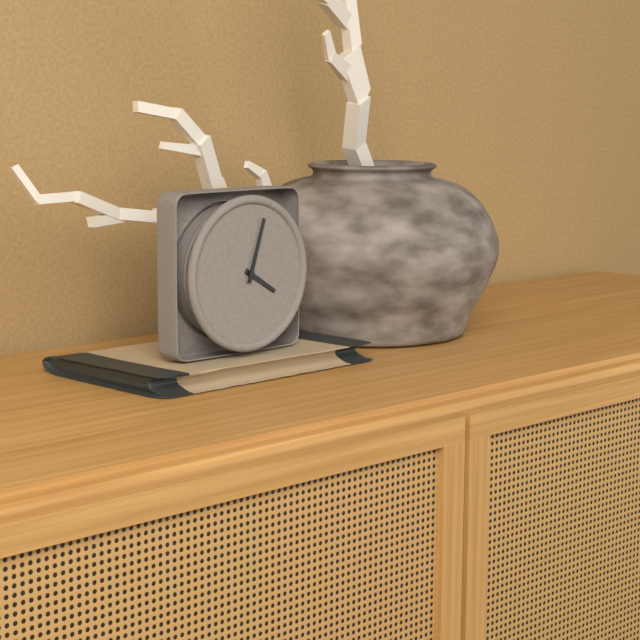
h=4 m=3
